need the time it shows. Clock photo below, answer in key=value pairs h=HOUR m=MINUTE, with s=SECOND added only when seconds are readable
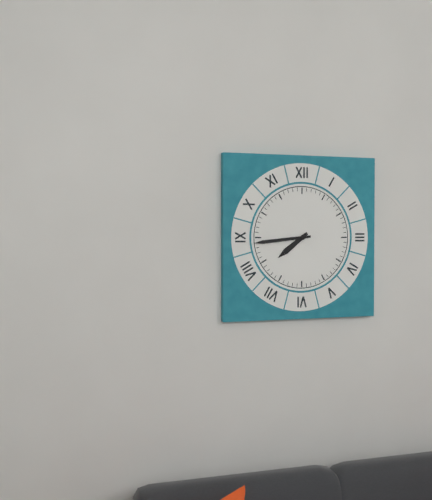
h=7 m=44
